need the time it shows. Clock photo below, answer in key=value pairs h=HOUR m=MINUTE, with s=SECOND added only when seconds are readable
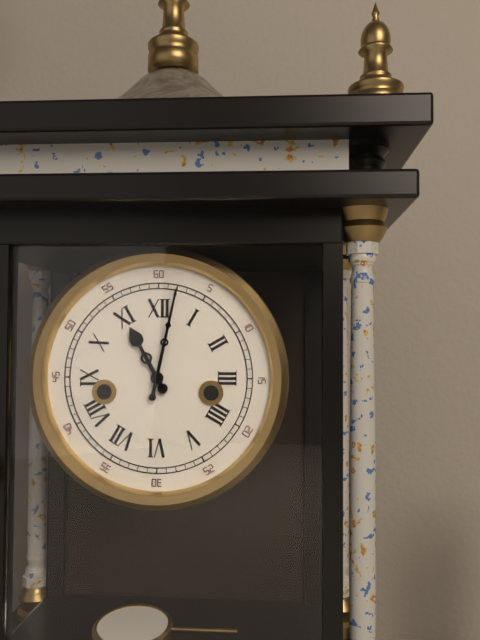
h=11 m=2
